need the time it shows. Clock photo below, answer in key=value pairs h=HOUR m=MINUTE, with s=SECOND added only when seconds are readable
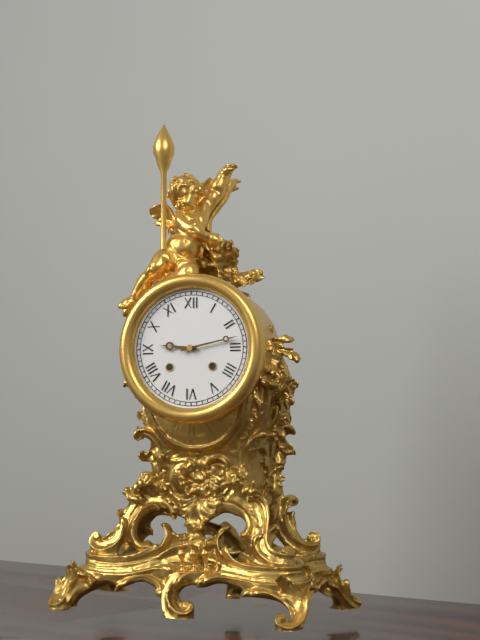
h=9 m=13
